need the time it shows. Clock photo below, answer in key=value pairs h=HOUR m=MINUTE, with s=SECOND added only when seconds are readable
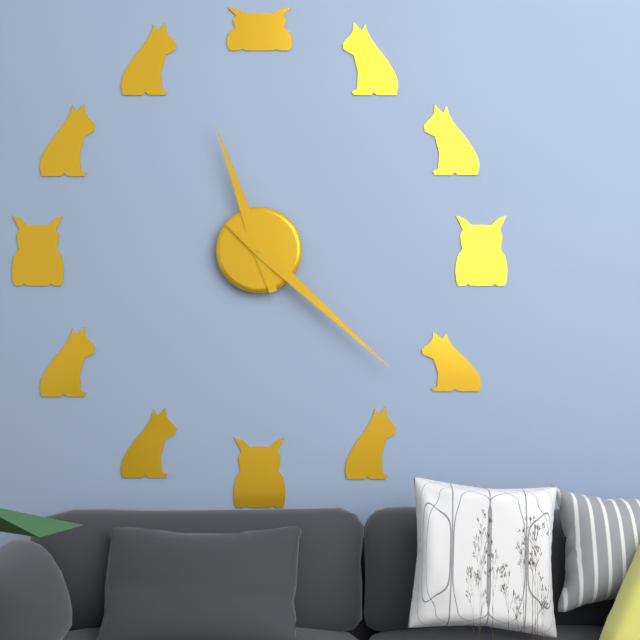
h=11 m=22
